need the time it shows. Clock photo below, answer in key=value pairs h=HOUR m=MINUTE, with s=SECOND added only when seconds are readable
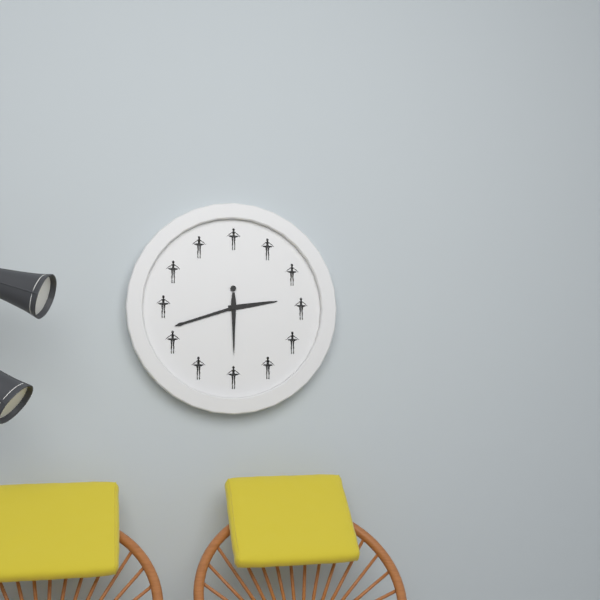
h=2 m=42
